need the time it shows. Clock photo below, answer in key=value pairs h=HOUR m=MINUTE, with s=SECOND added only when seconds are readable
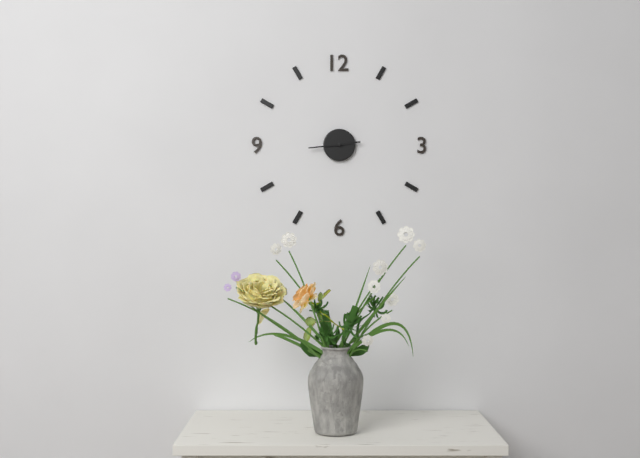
h=2 m=44
